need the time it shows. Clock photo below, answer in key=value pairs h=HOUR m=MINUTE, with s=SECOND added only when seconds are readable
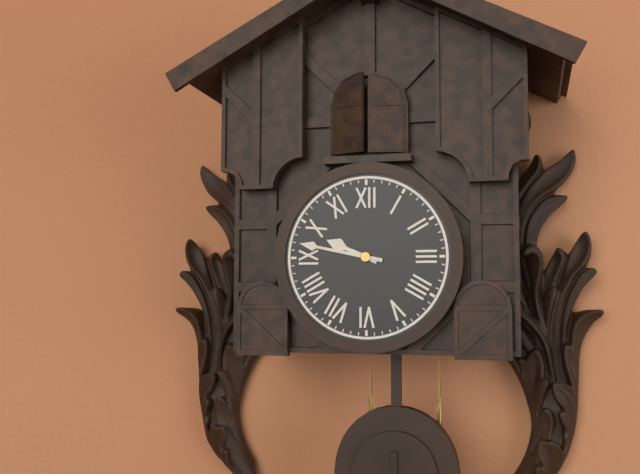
h=9 m=47
